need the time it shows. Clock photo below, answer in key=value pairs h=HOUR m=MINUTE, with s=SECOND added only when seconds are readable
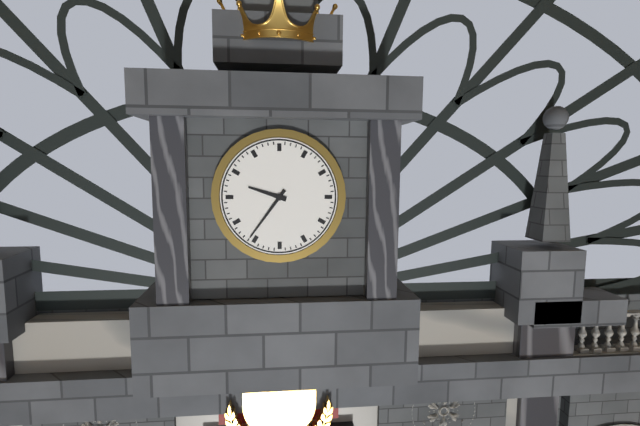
h=9 m=36
